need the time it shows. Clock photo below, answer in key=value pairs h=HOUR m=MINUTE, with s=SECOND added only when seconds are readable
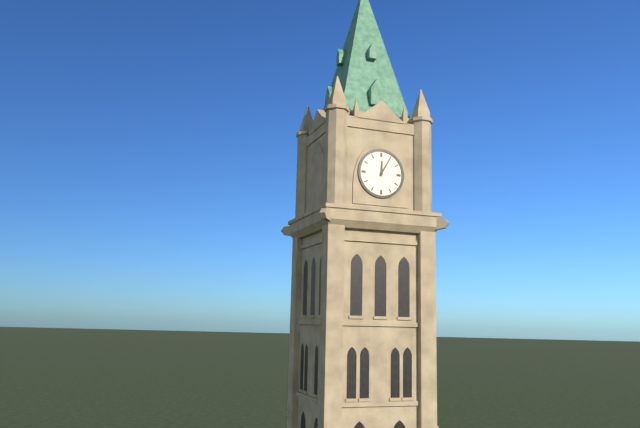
h=12 m=5
